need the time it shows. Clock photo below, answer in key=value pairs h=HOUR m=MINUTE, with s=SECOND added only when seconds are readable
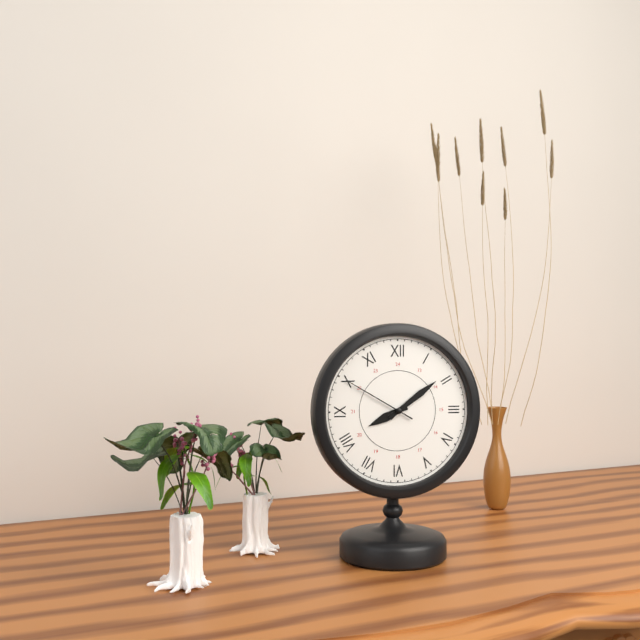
h=8 m=9 s=50
